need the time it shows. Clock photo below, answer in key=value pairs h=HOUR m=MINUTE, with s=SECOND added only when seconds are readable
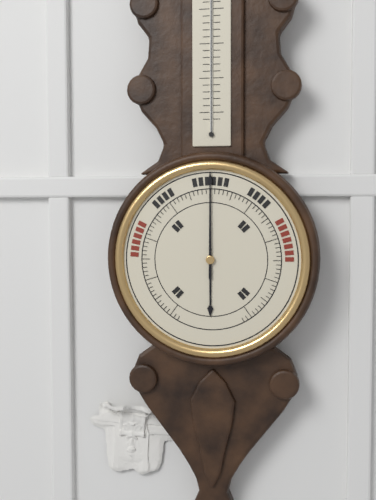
h=6 m=0
